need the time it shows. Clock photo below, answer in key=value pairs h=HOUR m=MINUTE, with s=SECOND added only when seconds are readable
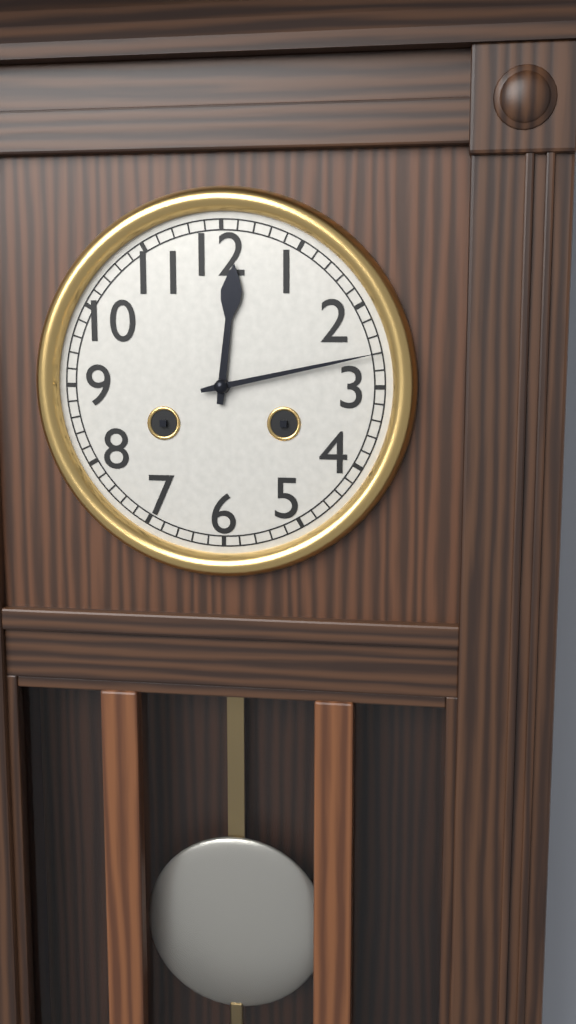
h=12 m=13
